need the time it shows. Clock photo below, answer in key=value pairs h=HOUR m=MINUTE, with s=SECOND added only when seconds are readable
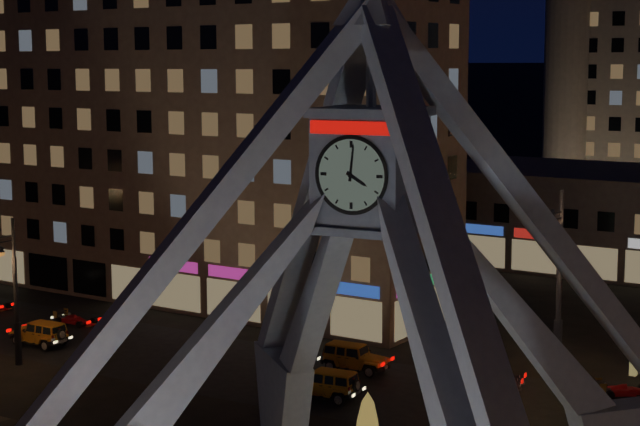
h=4 m=1
